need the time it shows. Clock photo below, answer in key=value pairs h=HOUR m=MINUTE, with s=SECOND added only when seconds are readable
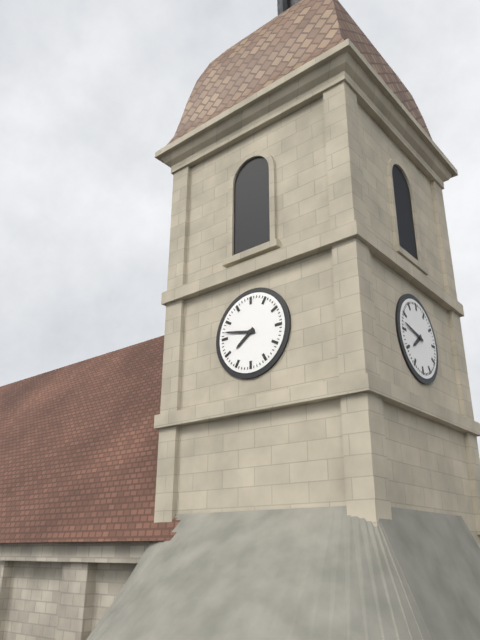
h=7 m=47
